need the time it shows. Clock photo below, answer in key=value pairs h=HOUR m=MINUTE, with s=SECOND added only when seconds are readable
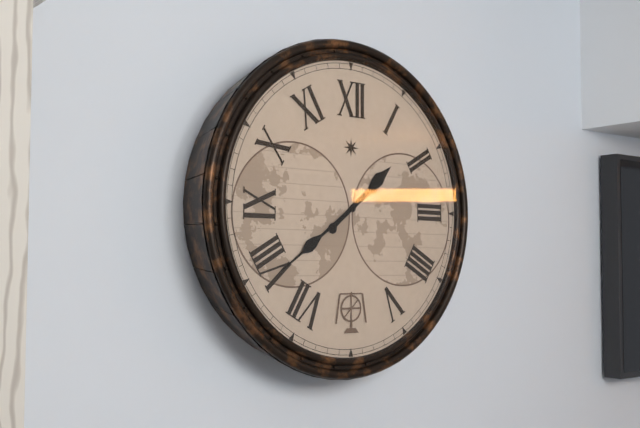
h=1 m=39
